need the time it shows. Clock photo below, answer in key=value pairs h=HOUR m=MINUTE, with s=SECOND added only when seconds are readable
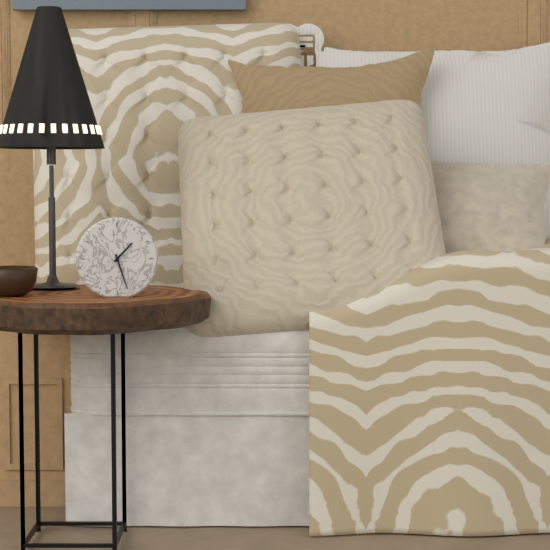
h=1 m=27
